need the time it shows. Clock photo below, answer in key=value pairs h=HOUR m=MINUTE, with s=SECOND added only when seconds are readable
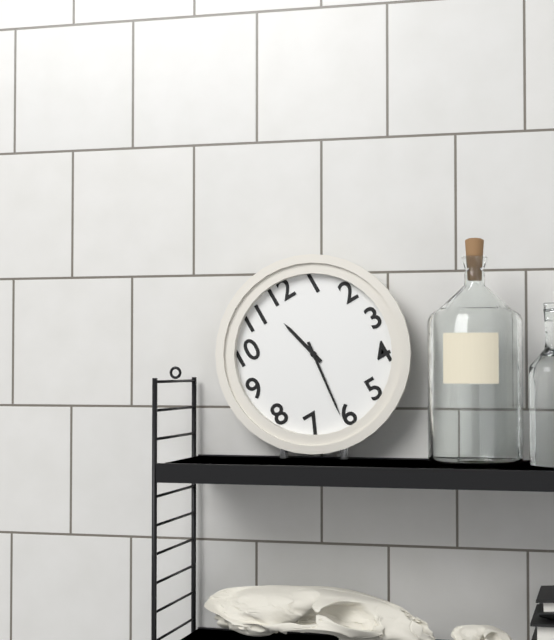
h=11 m=31
